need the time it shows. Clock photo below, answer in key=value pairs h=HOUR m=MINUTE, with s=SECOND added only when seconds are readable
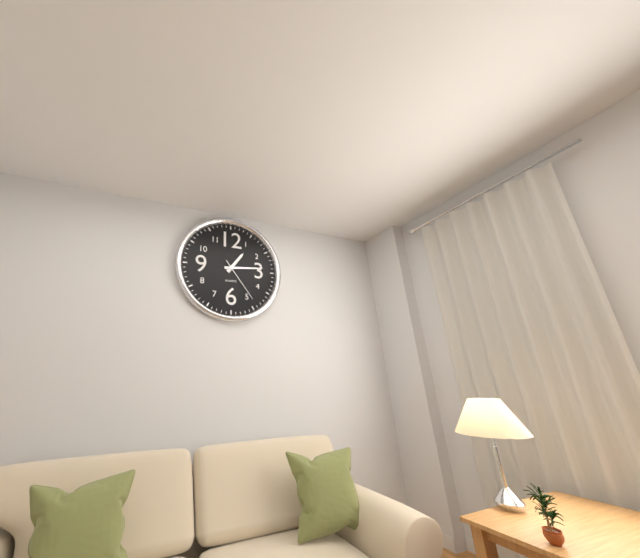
h=1 m=14
